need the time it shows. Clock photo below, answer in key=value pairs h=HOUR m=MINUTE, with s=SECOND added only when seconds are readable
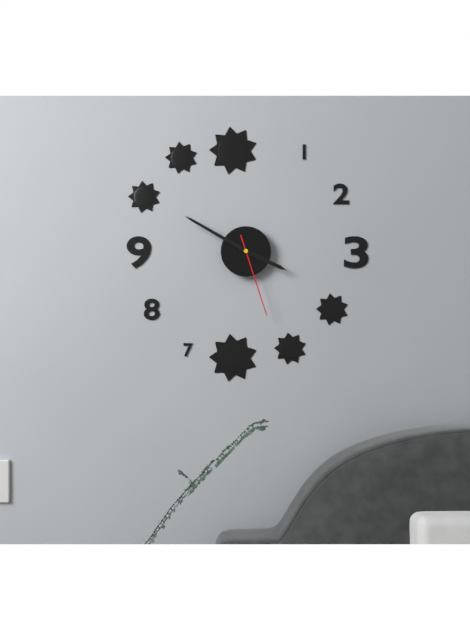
h=3 m=50 s=27
